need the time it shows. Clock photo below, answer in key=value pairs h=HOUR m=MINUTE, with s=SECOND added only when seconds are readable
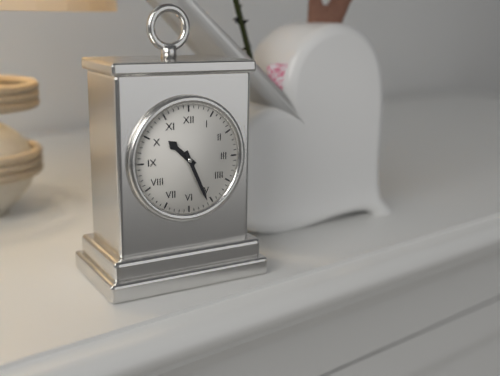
h=10 m=26
